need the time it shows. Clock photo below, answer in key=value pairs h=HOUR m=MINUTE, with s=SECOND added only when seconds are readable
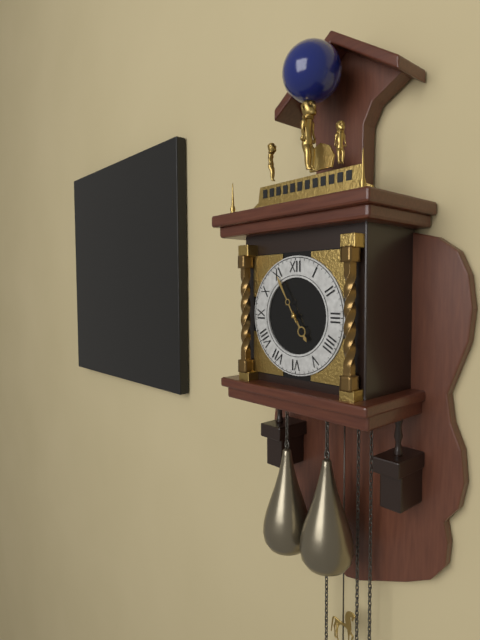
h=4 m=55
